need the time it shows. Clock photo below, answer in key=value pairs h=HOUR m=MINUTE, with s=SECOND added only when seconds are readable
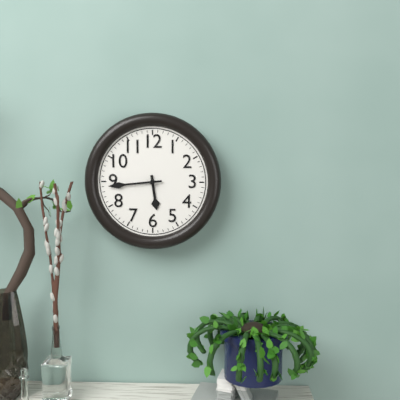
h=5 m=44
